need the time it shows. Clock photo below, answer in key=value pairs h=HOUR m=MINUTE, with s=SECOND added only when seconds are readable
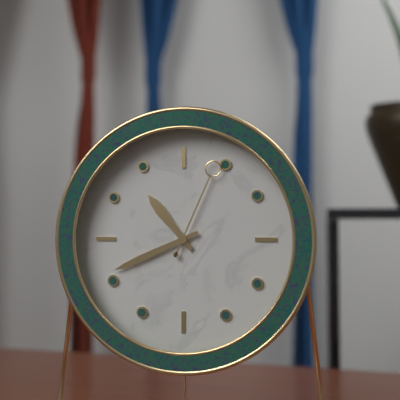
h=10 m=41 s=4
